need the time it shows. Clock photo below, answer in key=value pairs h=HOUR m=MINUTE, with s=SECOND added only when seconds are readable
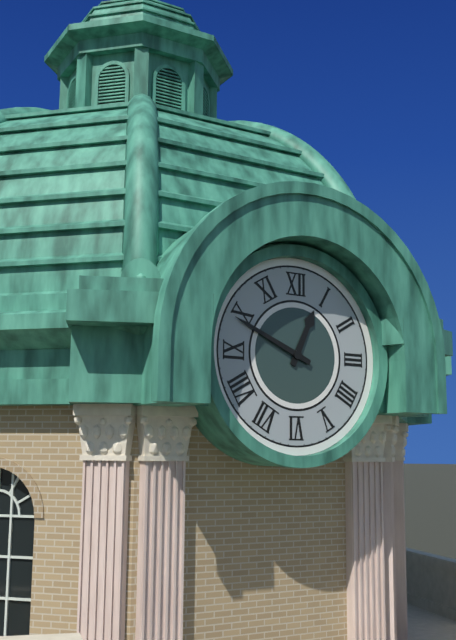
h=12 m=49
